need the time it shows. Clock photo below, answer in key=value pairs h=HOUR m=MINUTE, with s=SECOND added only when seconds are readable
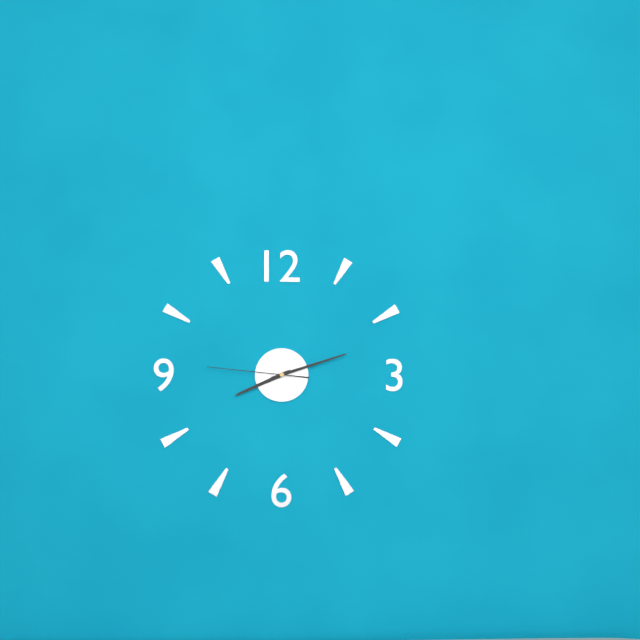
h=8 m=12 s=46
